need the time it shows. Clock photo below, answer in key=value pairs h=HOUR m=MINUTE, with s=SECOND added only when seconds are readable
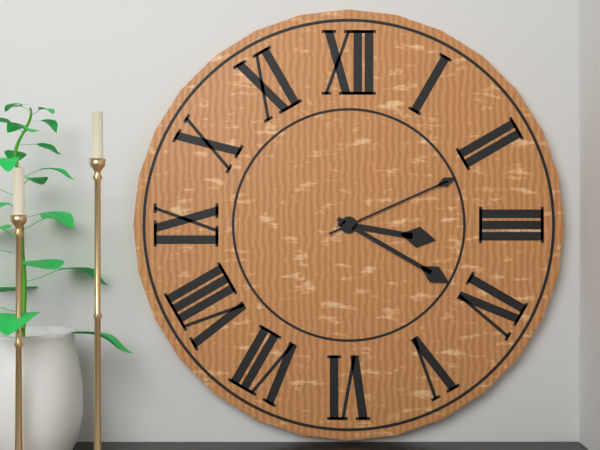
h=3 m=20 s=11
